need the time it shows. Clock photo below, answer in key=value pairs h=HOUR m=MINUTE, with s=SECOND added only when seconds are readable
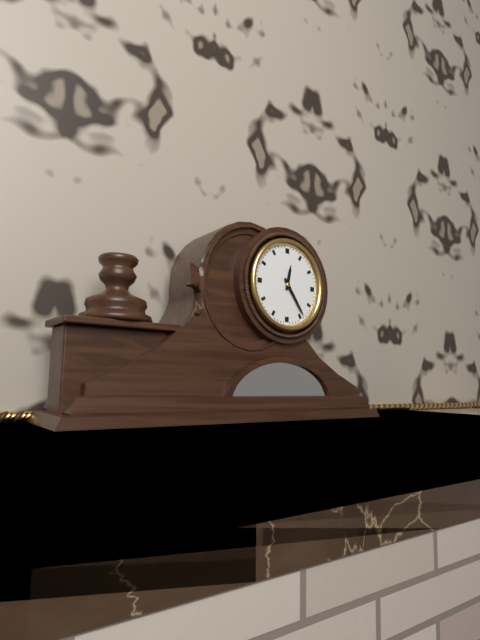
h=12 m=24
